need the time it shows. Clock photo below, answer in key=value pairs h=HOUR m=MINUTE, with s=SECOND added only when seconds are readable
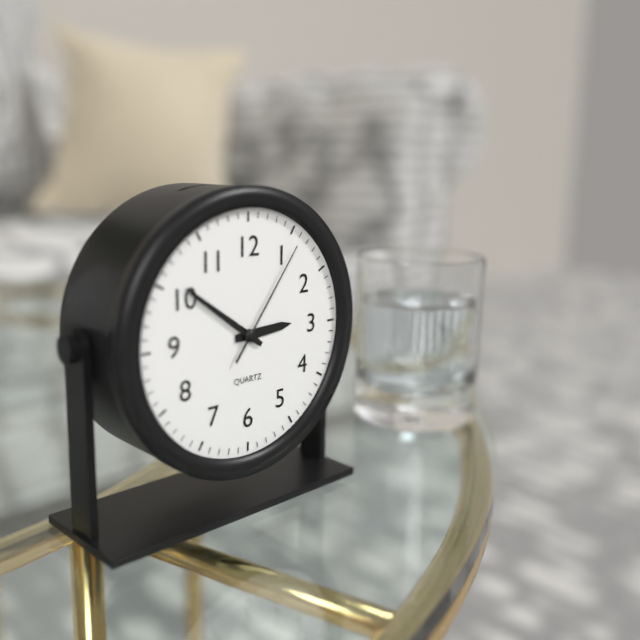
h=2 m=51 s=6
